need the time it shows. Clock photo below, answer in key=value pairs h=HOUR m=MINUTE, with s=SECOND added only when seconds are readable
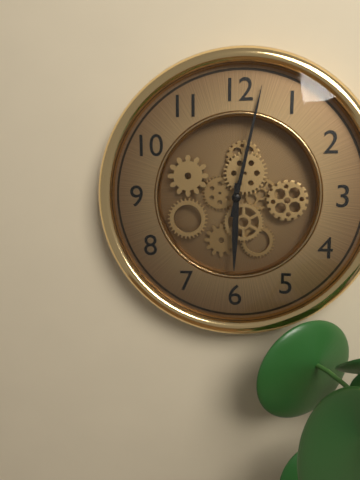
h=6 m=2
